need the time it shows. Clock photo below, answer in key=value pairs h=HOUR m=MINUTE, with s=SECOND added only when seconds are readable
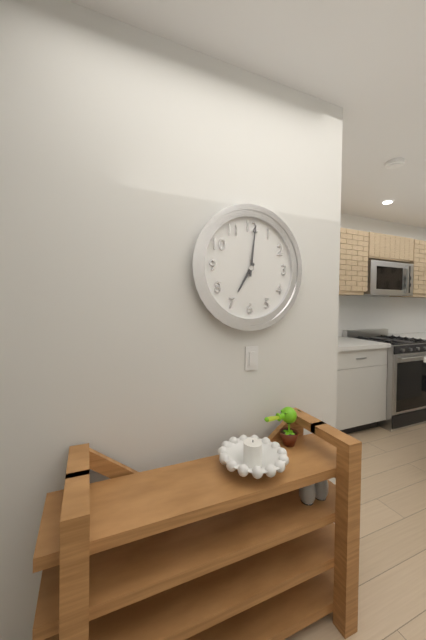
h=7 m=1
